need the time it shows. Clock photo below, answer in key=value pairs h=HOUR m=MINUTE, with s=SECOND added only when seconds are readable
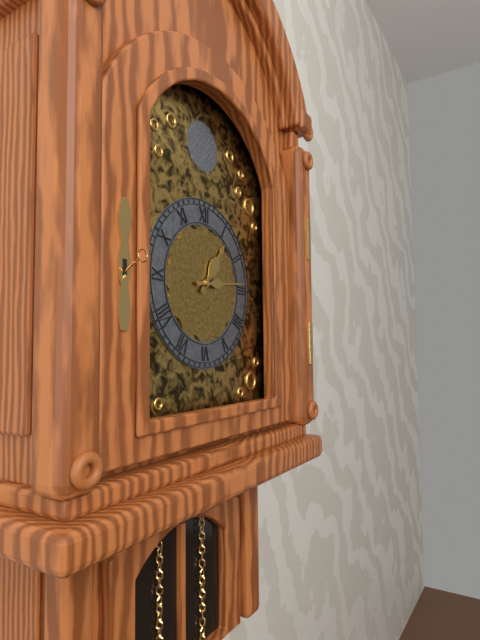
h=1 m=14
